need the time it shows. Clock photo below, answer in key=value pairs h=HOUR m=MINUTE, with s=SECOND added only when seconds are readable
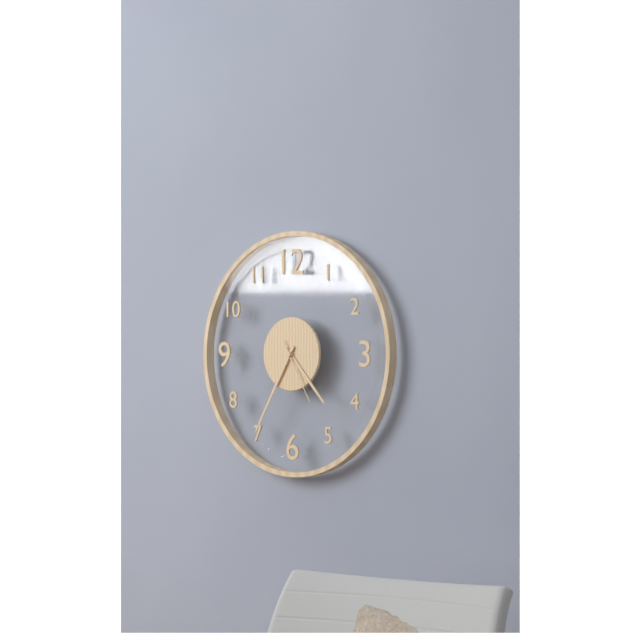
h=4 m=35 s=25
